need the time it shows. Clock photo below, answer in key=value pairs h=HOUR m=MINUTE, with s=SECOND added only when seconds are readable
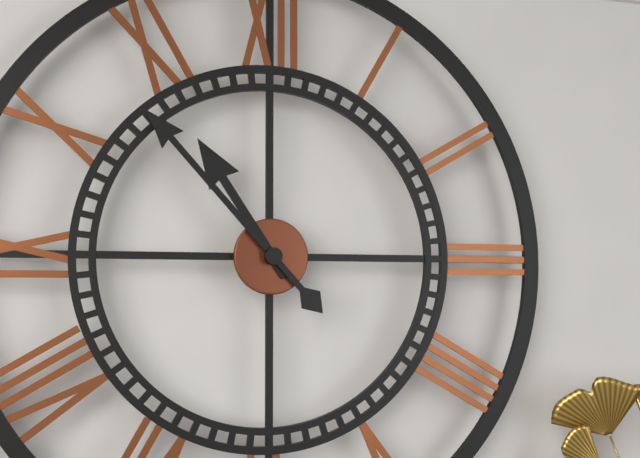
h=10 m=53
